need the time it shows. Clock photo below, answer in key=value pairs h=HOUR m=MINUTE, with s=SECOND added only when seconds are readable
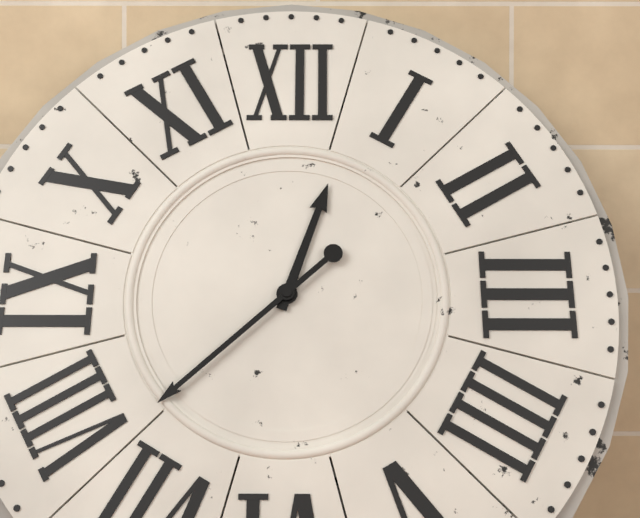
h=12 m=38
